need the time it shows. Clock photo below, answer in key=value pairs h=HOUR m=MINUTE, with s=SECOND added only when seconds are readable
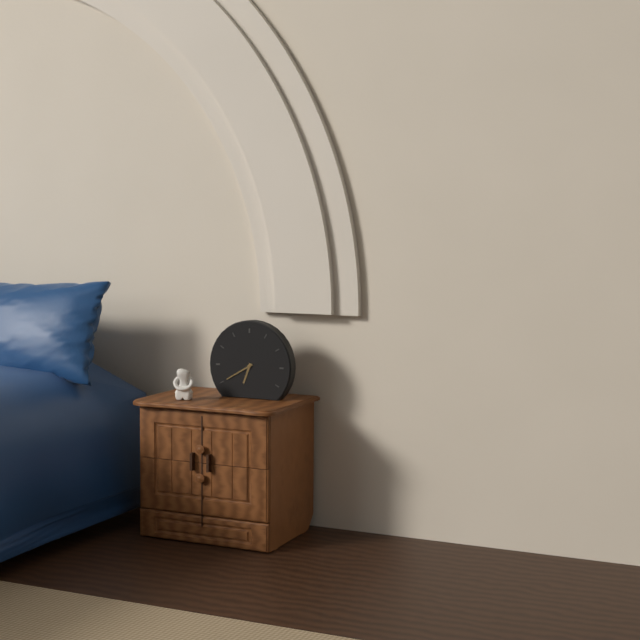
h=6 m=40
